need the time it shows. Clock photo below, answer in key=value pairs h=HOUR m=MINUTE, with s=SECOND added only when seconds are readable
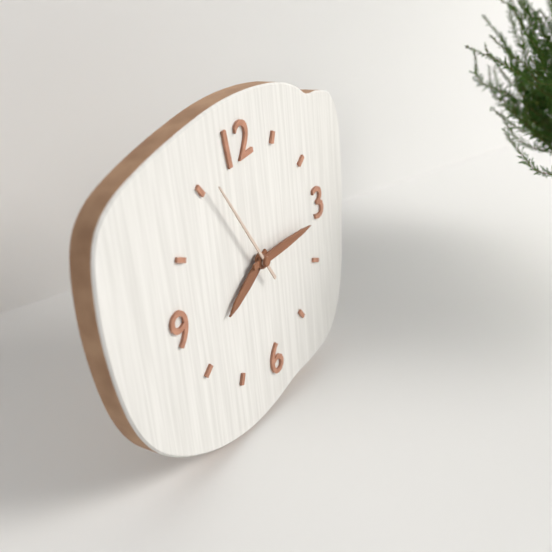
h=8 m=16 s=56
